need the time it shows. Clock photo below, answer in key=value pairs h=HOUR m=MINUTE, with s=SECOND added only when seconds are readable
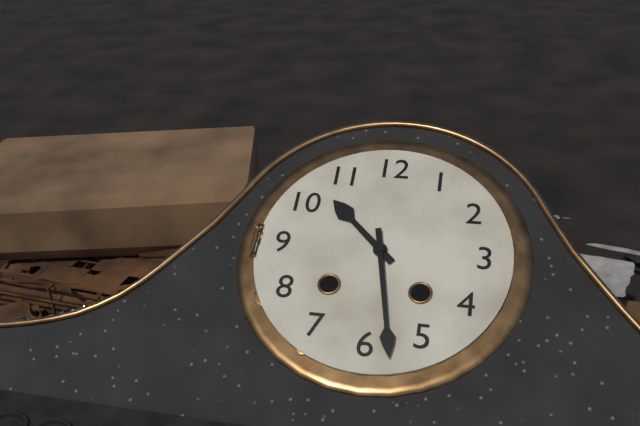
h=10 m=28
